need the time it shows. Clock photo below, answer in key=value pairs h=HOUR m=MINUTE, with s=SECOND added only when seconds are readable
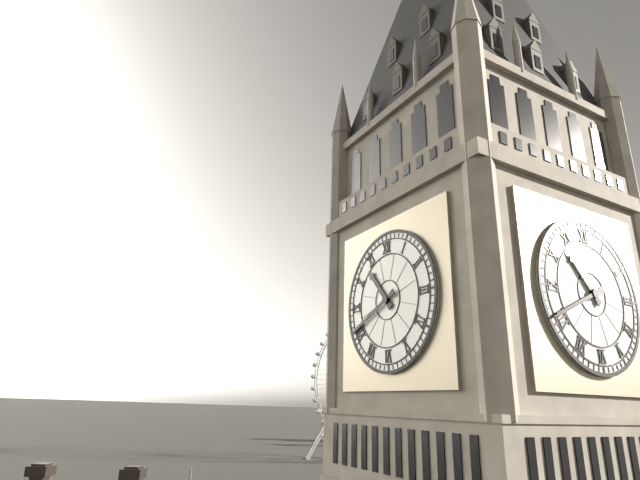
h=10 m=41
